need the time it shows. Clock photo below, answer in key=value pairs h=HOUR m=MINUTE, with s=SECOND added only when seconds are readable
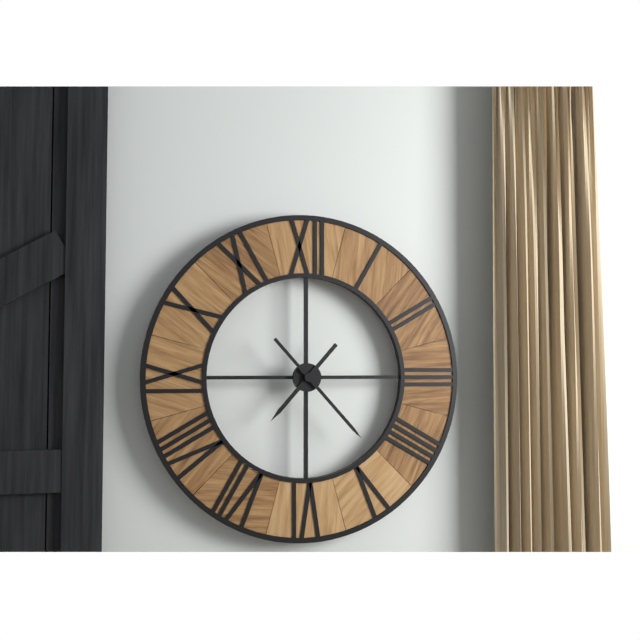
h=7 m=23
